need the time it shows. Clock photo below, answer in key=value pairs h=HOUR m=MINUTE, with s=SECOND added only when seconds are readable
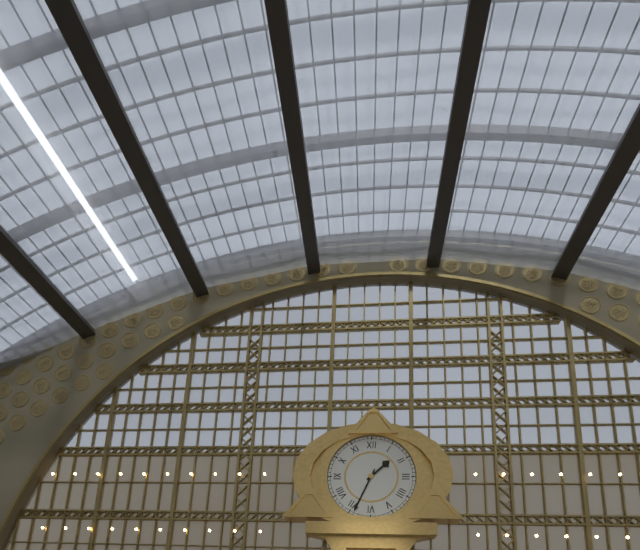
h=1 m=34
